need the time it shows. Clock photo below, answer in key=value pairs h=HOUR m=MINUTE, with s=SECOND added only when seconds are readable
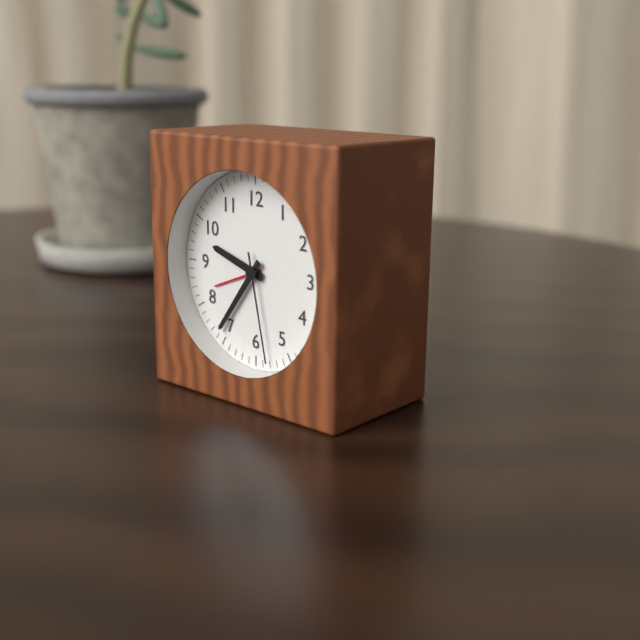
h=9 m=36 s=28
